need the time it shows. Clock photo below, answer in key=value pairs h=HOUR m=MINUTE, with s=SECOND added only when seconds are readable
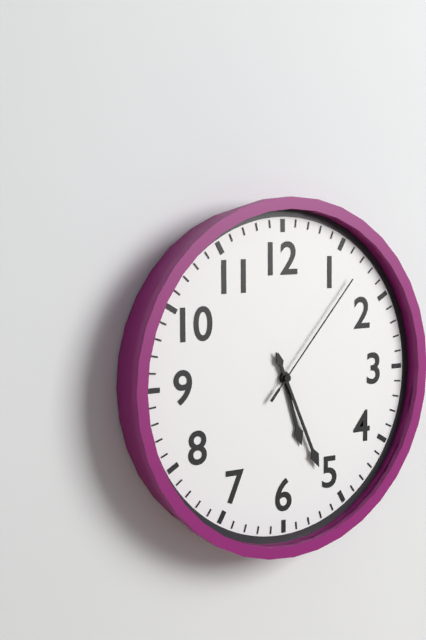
h=5 m=26 s=7
